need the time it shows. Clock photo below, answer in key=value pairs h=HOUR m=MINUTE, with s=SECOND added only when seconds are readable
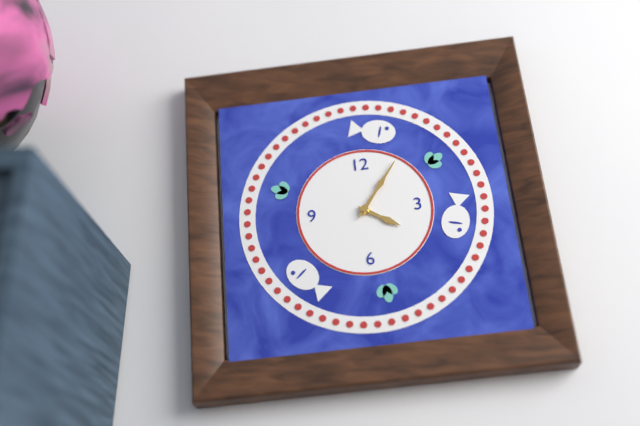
h=4 m=6
